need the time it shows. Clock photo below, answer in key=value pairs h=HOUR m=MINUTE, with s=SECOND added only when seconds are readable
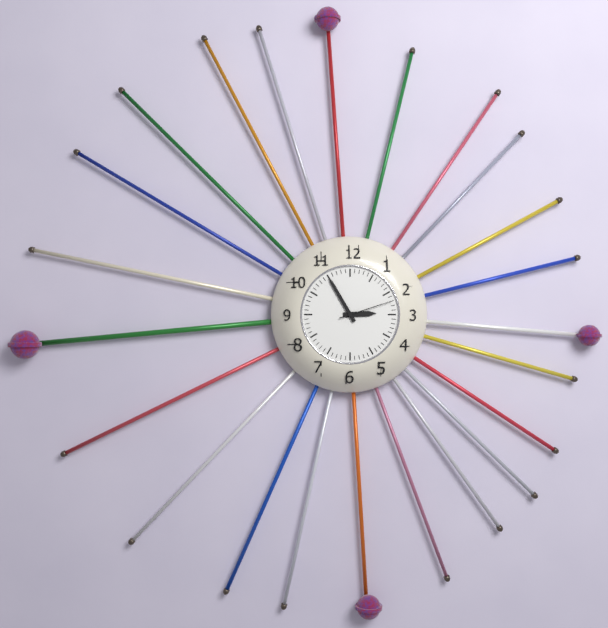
h=2 m=55 s=12
